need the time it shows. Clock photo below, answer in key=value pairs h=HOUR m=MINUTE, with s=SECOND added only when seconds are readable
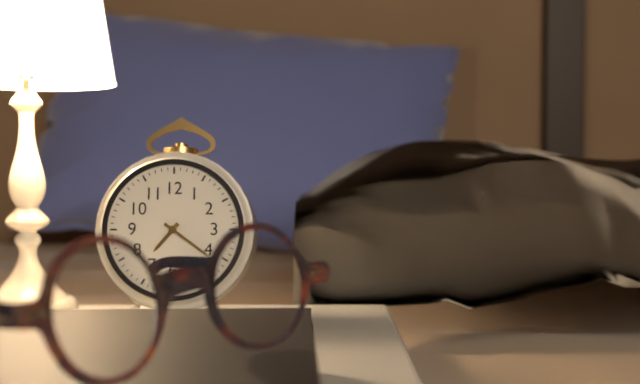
h=7 m=21
